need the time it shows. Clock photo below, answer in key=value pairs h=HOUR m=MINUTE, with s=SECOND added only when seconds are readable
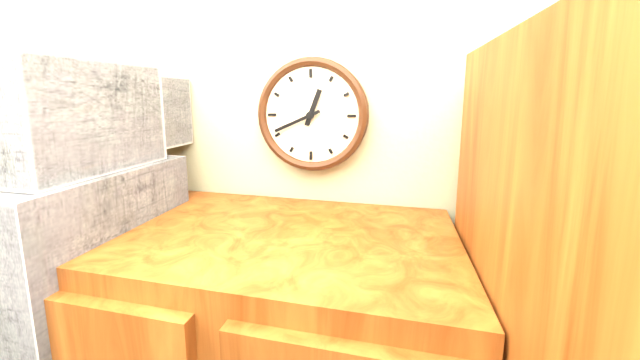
h=12 m=41
